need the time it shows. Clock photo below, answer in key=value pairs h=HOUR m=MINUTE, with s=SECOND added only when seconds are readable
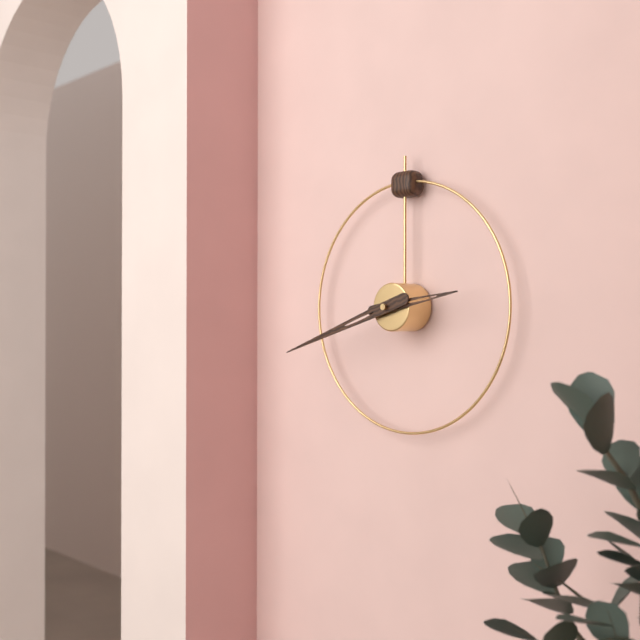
h=2 m=42
